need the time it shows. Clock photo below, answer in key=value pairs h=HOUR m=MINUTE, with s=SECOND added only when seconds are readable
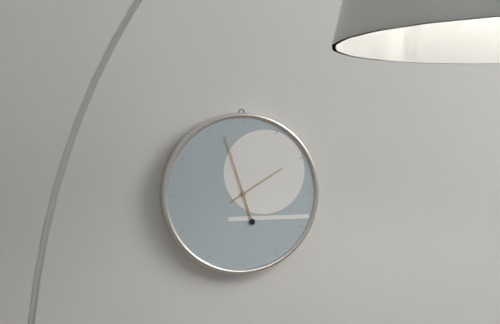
h=1 m=57
